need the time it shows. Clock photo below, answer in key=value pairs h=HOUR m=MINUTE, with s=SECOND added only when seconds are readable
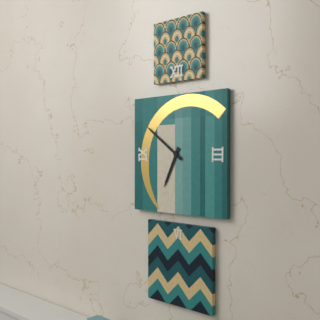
h=6 m=51
